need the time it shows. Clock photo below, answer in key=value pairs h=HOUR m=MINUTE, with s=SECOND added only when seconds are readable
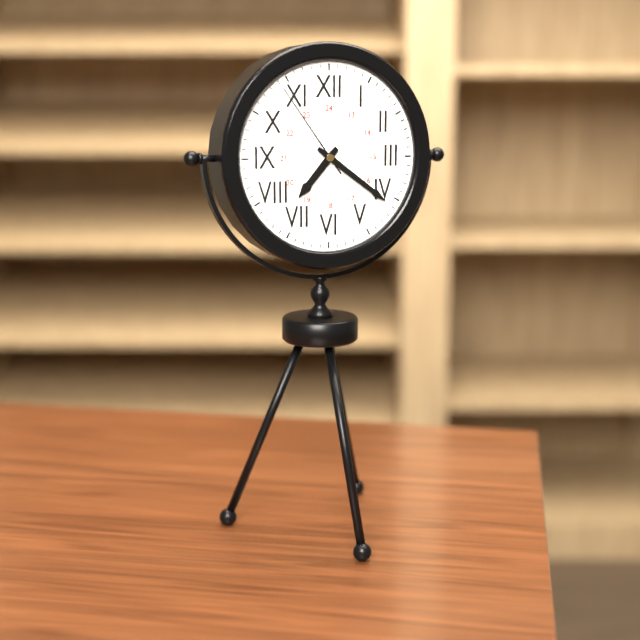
h=7 m=21 s=54
